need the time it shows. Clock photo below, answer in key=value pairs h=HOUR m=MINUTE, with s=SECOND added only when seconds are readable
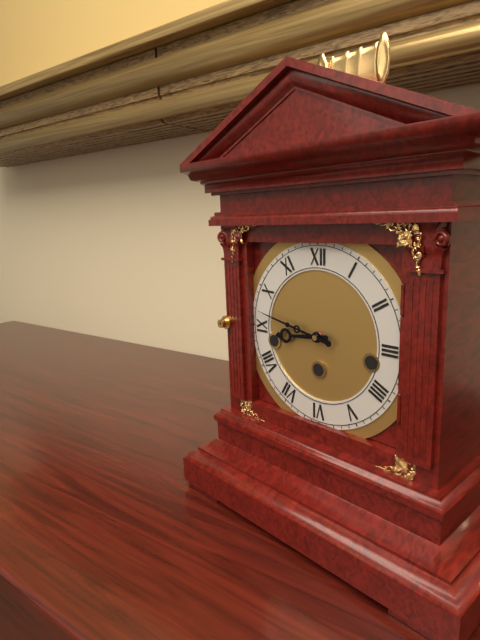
h=8 m=47
